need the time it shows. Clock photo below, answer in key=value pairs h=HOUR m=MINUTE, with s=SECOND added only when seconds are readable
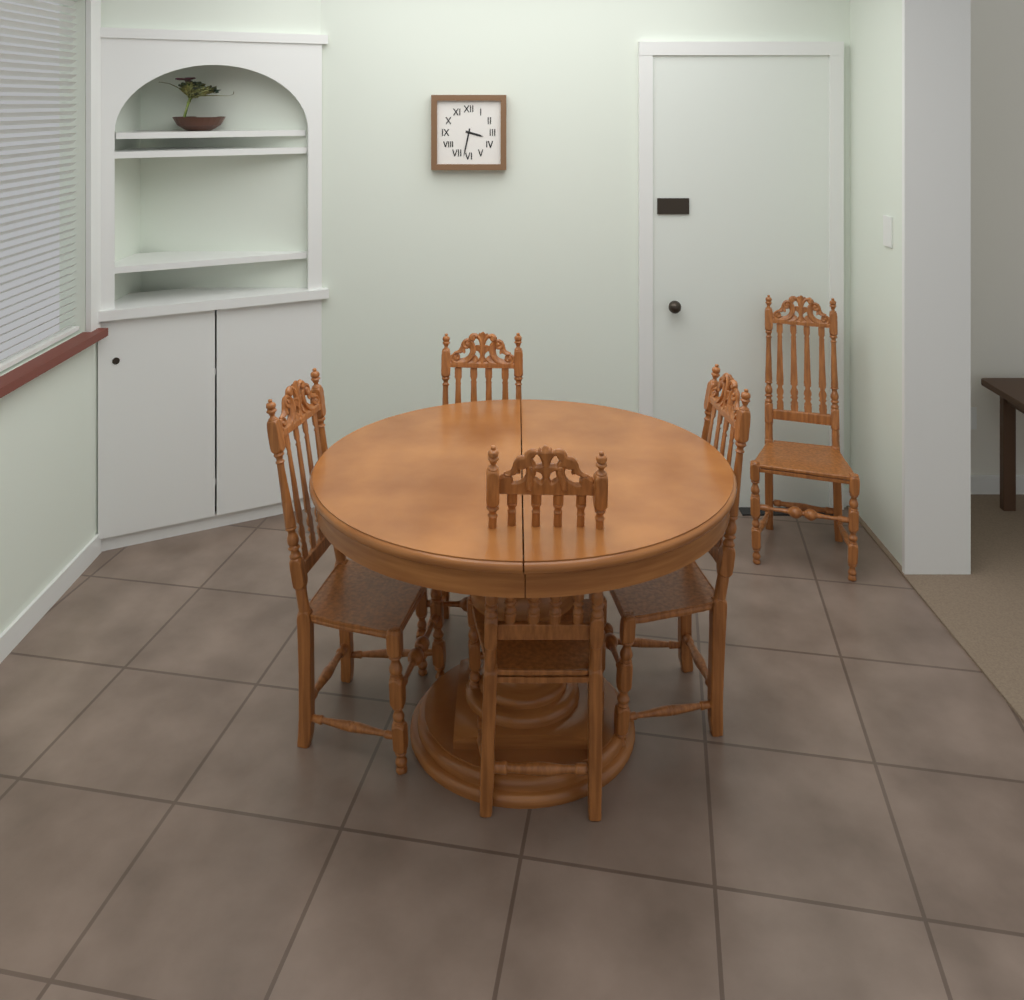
h=3 m=32
